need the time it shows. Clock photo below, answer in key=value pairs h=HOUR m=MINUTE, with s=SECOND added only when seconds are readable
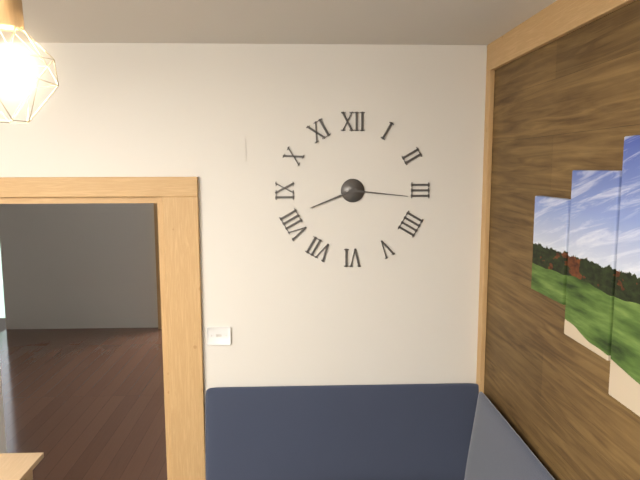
h=8 m=16
